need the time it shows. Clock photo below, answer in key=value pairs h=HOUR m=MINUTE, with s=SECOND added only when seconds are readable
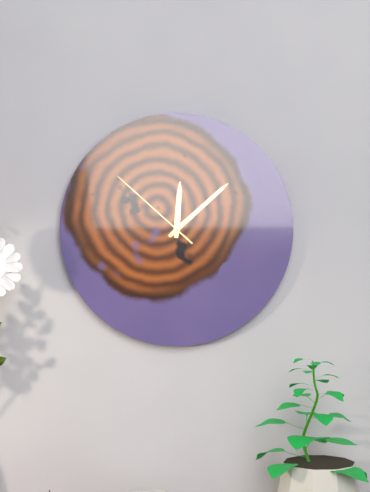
h=12 m=8 s=52
